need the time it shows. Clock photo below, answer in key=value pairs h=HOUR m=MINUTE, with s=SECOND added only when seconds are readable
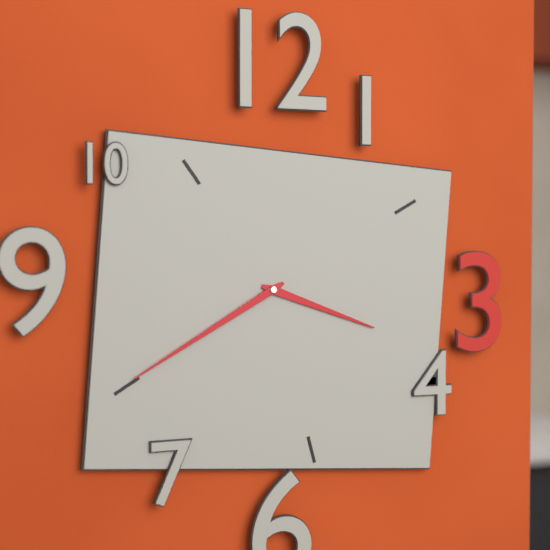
h=3 m=40
